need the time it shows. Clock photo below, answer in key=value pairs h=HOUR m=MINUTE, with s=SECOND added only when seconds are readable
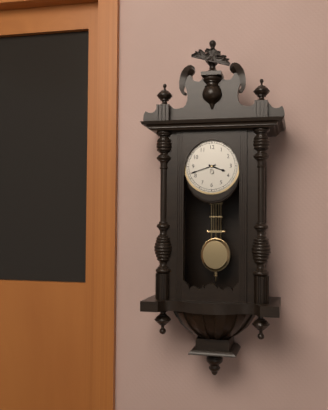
h=3 m=42
